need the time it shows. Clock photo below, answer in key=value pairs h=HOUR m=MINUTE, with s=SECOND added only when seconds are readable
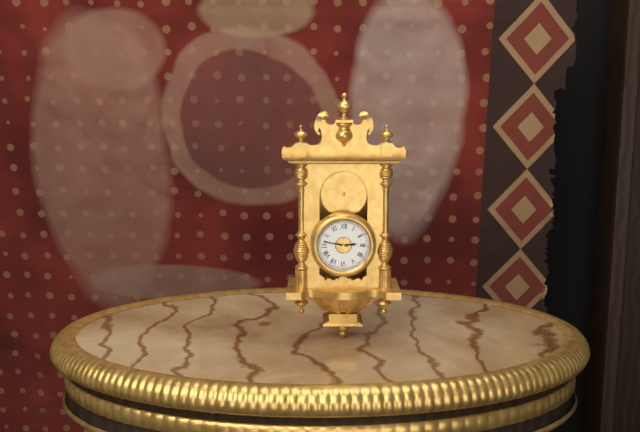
h=2 m=47
